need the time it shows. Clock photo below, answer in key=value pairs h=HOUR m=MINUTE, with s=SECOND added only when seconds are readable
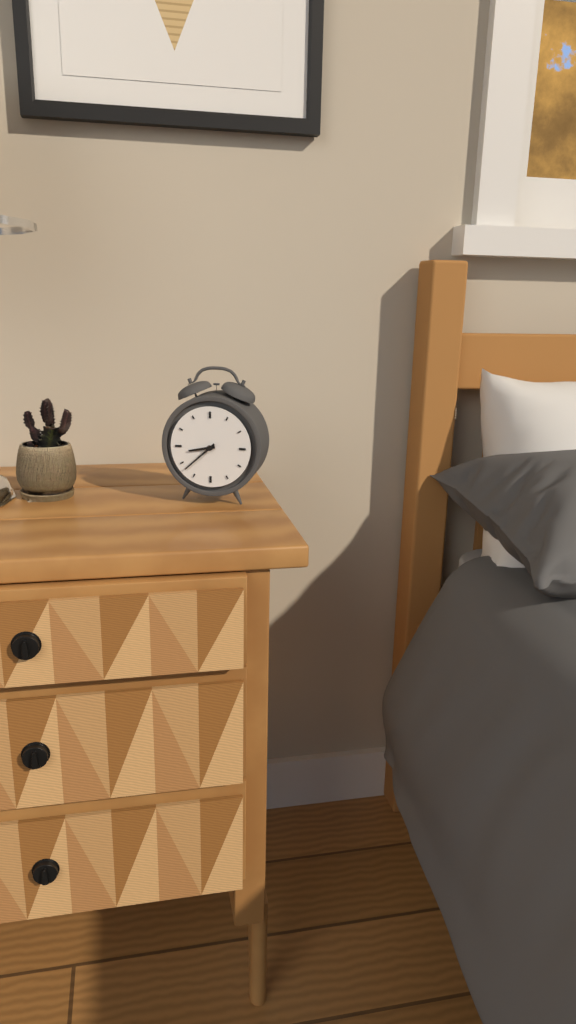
h=8 m=38
